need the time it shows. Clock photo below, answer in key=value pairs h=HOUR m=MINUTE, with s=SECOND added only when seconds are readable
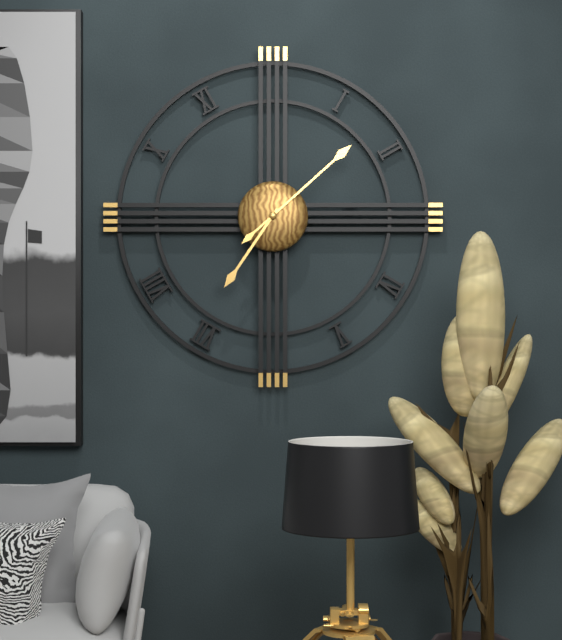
h=7 m=8
